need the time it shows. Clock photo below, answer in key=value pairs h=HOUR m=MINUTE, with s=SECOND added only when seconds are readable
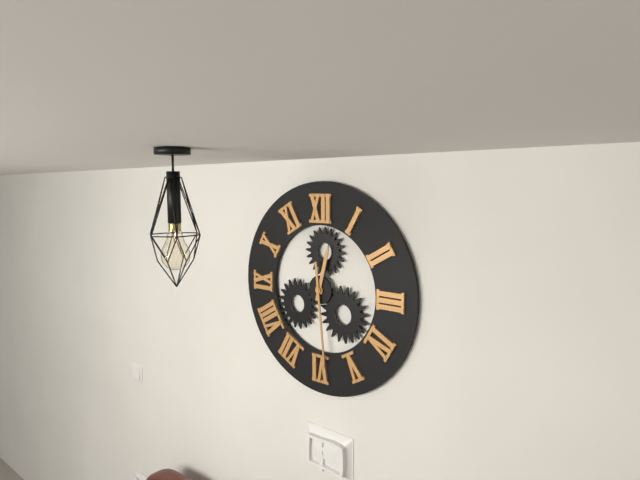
h=12 m=29
